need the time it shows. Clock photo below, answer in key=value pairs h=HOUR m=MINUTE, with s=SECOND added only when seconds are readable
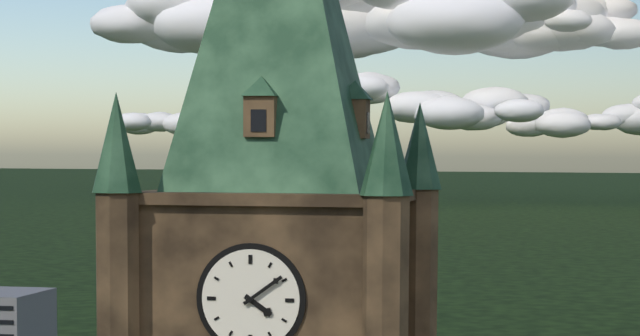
h=4 m=9
